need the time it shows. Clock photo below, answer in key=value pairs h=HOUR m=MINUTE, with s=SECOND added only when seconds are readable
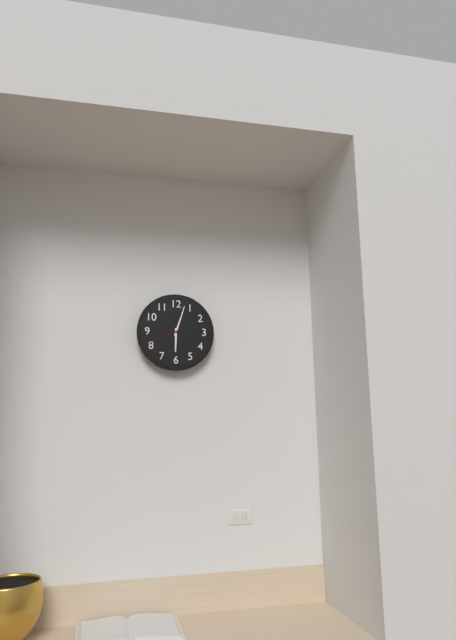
h=6 m=3
